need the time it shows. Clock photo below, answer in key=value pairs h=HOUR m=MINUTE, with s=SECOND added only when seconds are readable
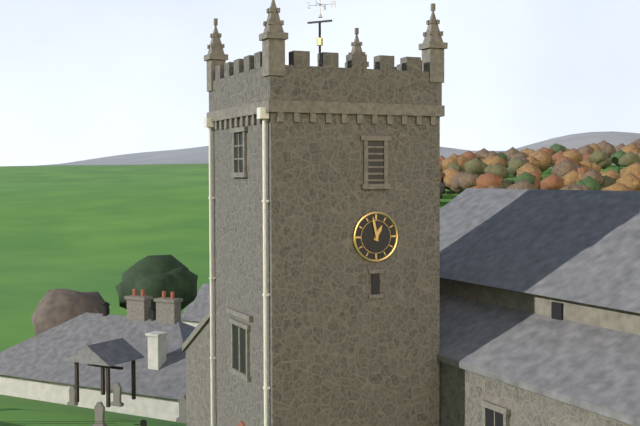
h=12 m=58
